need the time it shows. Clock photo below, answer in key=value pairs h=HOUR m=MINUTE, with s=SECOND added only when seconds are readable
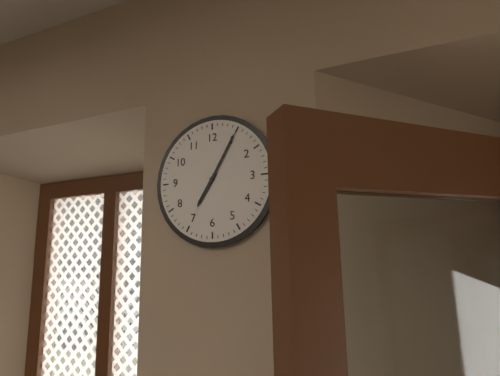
h=7 m=5
